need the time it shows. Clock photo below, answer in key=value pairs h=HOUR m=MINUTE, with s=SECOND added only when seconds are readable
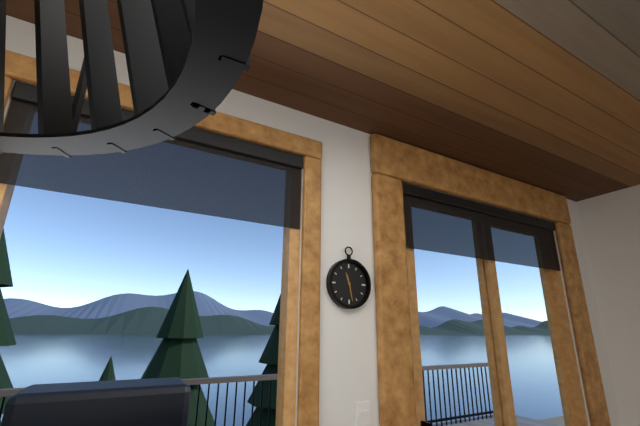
h=11 m=28
